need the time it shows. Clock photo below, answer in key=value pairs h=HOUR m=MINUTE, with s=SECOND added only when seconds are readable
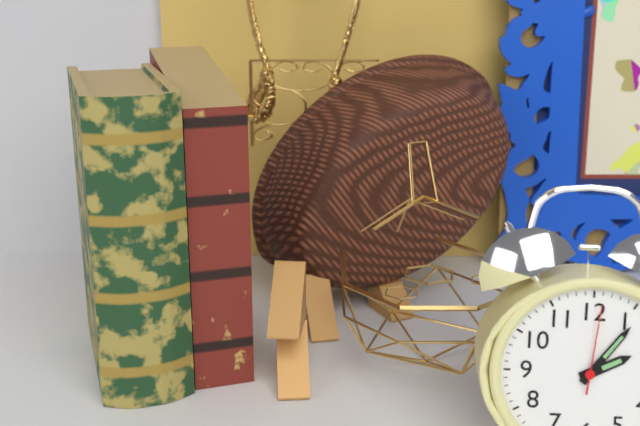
h=2 m=6 s=1
